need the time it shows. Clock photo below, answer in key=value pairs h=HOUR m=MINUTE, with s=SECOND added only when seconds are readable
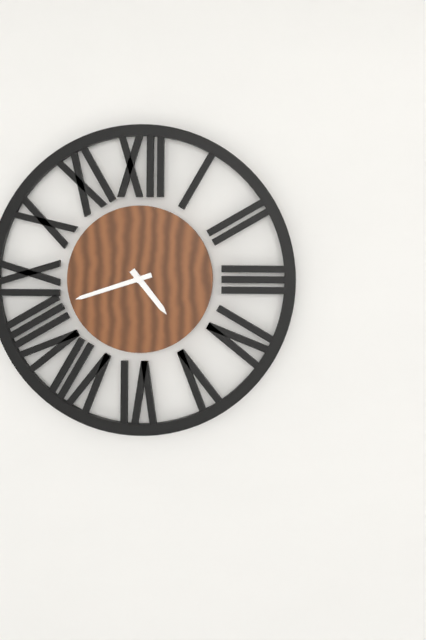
h=4 m=42
